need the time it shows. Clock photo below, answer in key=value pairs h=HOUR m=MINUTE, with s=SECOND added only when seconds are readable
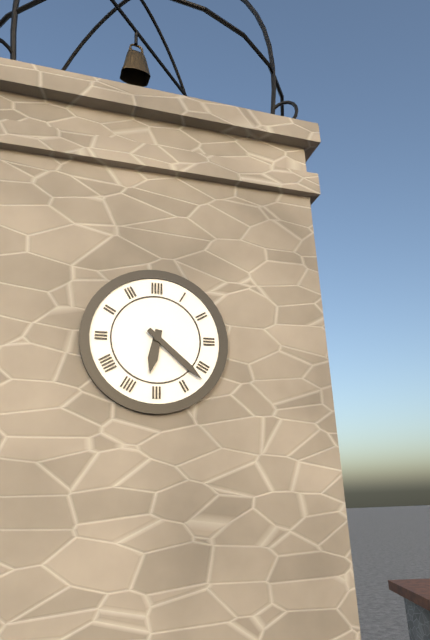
h=6 m=22
